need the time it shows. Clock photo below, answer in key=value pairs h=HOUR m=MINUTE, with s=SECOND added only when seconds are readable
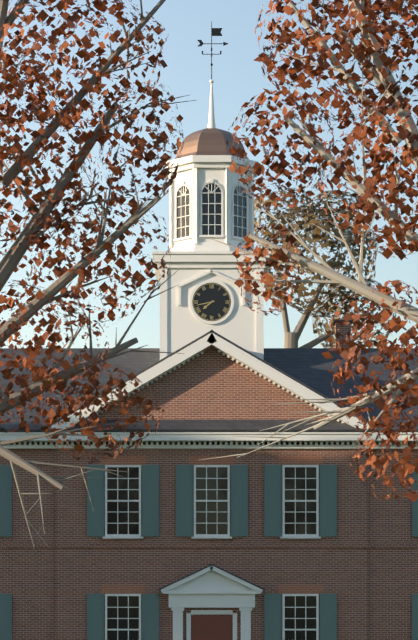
h=7 m=43
